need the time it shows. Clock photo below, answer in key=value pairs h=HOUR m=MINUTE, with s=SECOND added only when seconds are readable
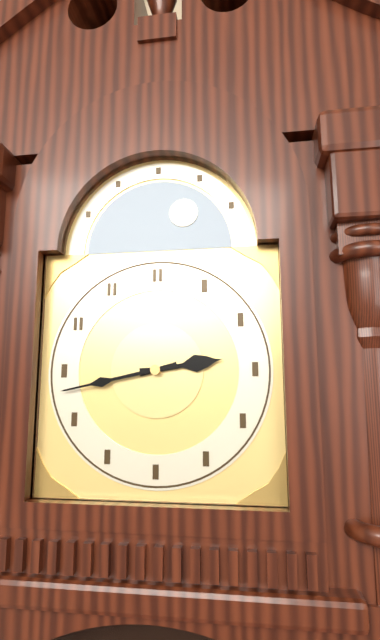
h=2 m=43
